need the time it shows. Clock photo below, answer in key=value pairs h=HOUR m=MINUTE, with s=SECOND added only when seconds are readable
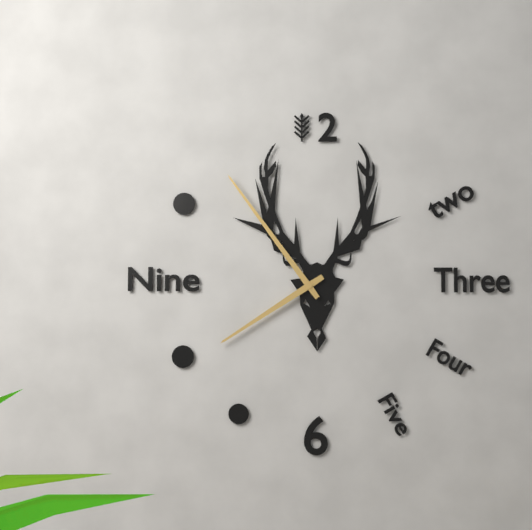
h=7 m=54
